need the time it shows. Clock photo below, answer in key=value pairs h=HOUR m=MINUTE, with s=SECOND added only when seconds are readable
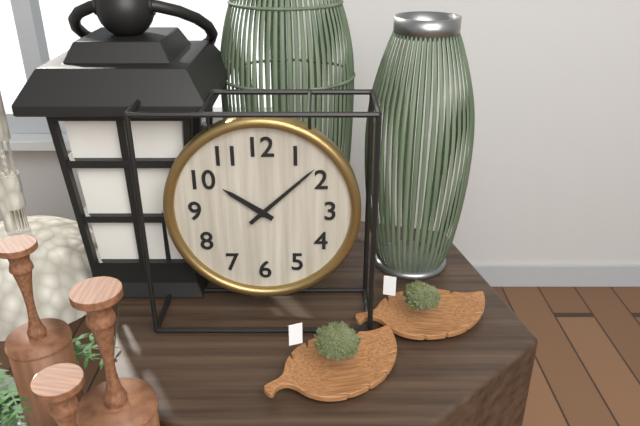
h=10 m=8
